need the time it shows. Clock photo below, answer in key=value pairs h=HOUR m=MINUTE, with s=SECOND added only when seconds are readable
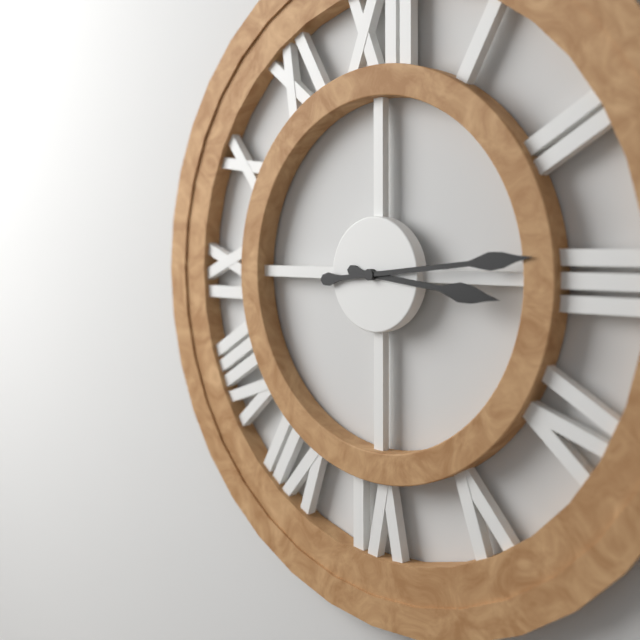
h=3 m=14
